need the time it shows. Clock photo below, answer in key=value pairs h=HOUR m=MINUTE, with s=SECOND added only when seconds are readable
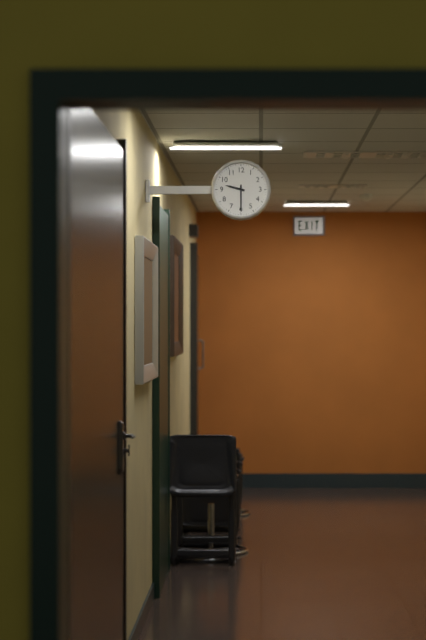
h=9 m=30
